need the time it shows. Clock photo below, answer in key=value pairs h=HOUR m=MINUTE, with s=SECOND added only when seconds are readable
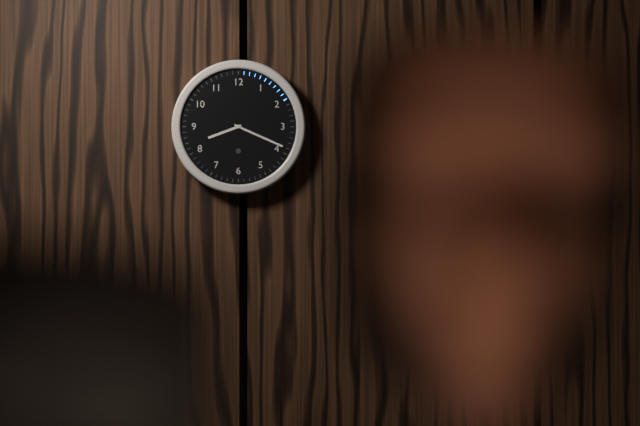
h=8 m=19
